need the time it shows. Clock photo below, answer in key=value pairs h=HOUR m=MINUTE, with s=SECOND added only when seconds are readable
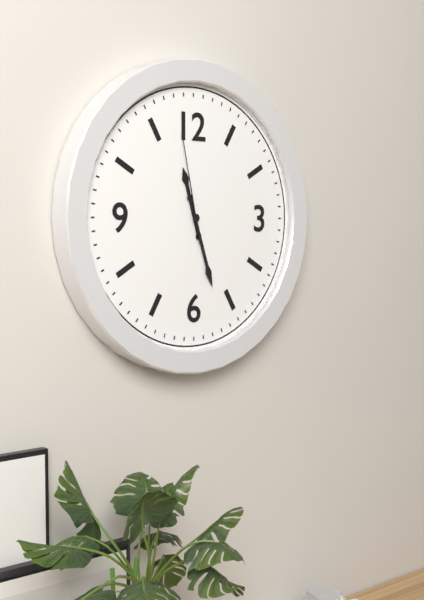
h=11 m=27 s=58
